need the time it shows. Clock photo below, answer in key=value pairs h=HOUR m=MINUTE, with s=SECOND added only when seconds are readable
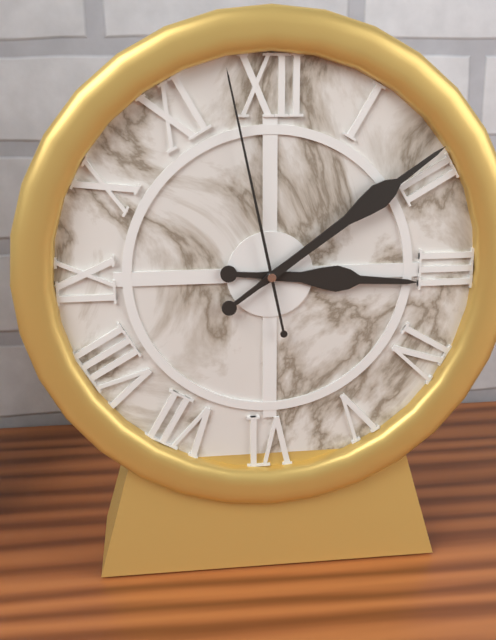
h=3 m=9 s=58
